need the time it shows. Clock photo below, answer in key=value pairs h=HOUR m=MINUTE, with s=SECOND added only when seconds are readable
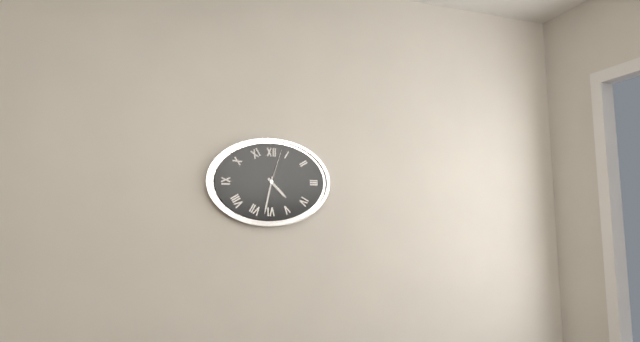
h=4 m=32
